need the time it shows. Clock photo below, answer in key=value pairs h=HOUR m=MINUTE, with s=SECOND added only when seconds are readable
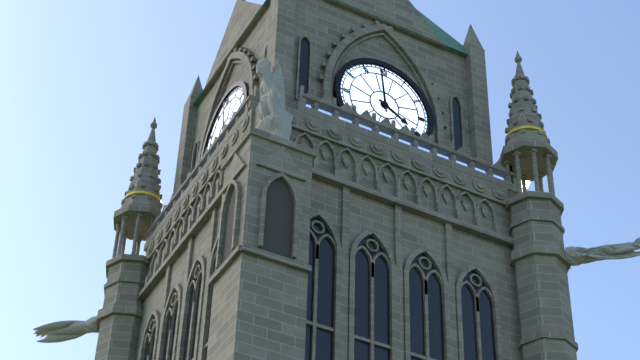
h=3 m=59
